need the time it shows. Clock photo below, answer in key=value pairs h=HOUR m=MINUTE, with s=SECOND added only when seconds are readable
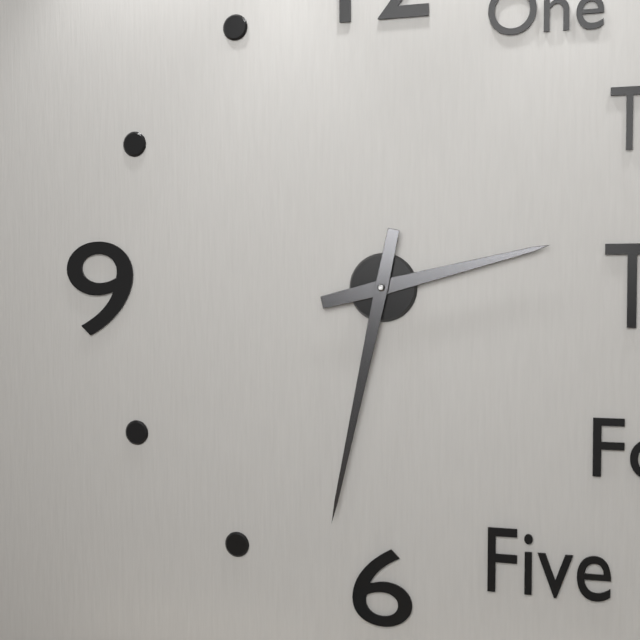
h=2 m=32
